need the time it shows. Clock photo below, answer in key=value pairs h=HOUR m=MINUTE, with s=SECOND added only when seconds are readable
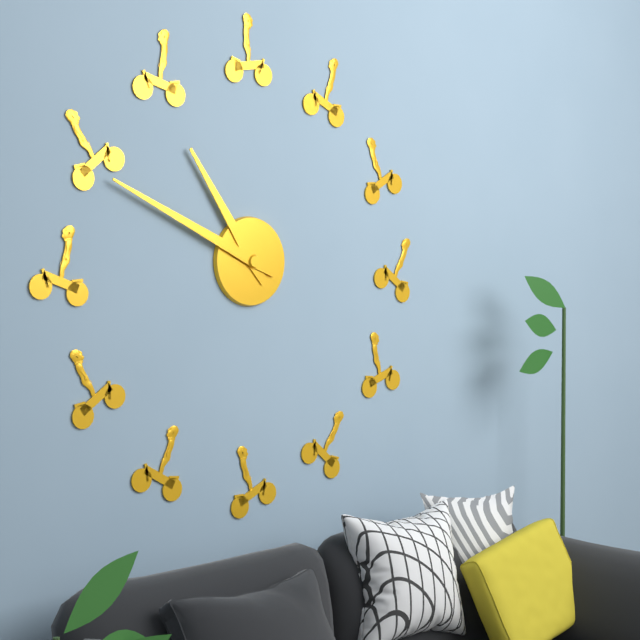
h=10 m=49
